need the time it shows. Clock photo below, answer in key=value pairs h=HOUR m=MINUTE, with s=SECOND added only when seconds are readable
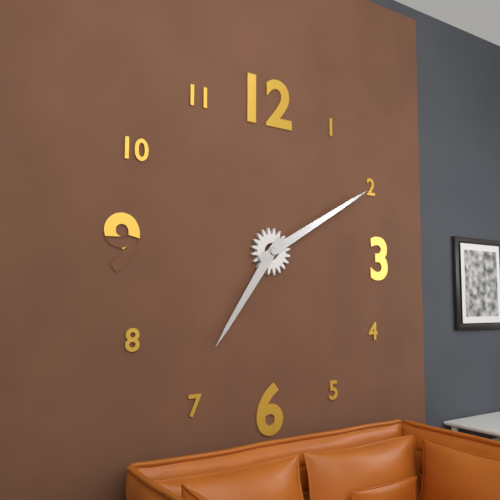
h=7 m=10
